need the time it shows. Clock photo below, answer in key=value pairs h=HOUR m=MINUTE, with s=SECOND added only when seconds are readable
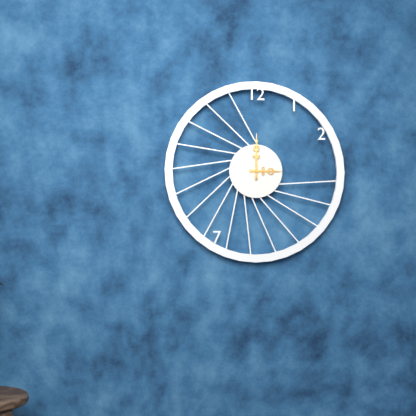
h=3 m=0
